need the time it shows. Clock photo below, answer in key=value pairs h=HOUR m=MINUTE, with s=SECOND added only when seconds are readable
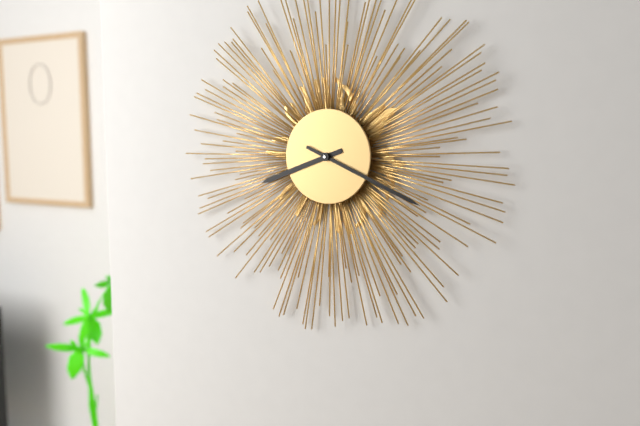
h=8 m=19
